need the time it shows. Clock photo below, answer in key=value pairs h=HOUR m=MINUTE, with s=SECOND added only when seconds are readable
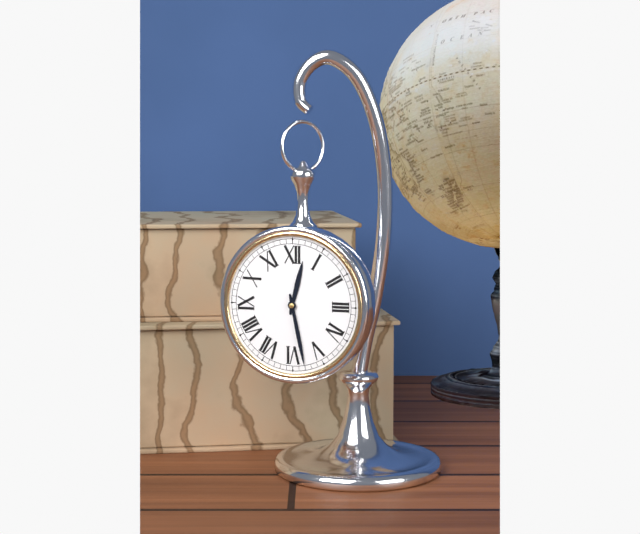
h=12 m=28
